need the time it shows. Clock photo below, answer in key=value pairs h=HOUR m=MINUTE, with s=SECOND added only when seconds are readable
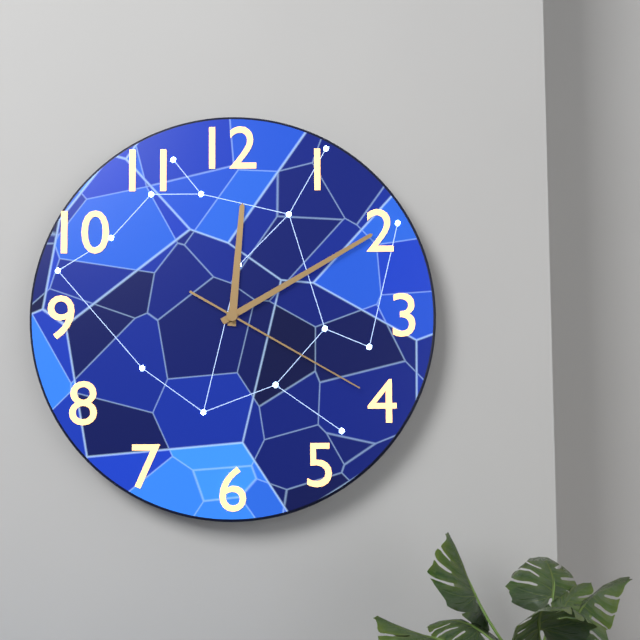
h=12 m=10 s=20
